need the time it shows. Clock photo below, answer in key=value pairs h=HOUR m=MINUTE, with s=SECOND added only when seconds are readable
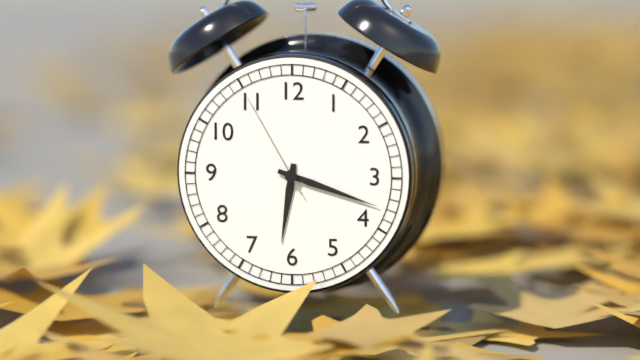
h=6 m=18 s=55
